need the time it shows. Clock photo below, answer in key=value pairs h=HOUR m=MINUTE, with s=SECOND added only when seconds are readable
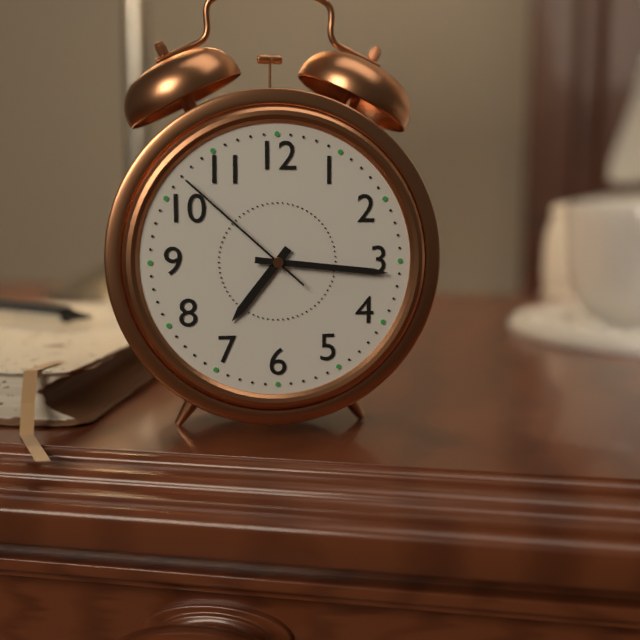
h=7 m=16 s=52
